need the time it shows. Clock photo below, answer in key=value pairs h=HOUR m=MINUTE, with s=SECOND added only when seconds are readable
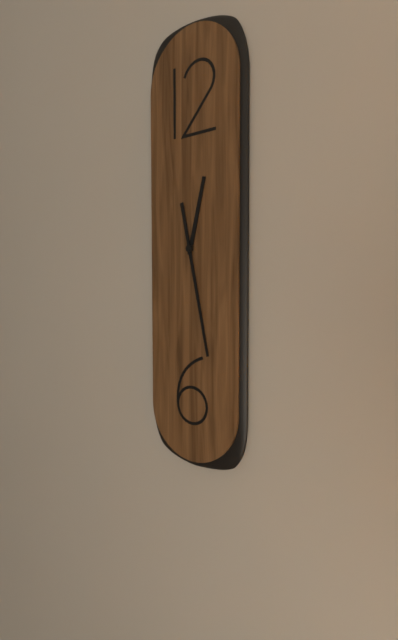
h=12 m=28
